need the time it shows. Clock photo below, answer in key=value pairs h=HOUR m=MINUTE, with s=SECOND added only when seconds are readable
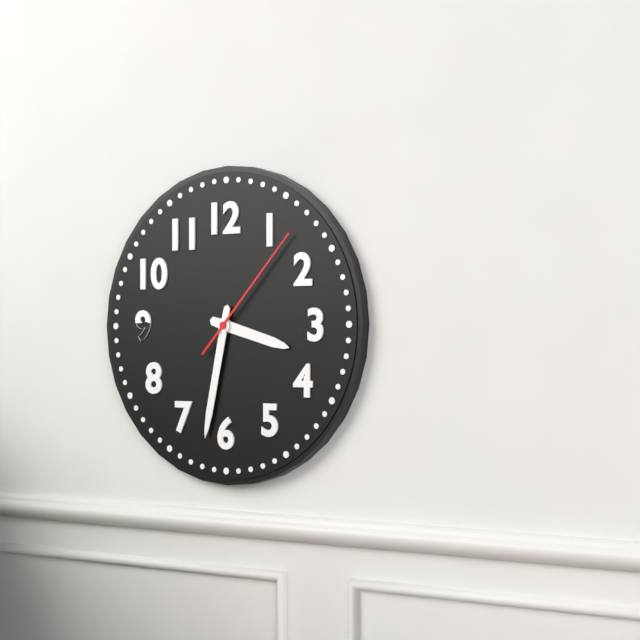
h=3 m=32 s=7
